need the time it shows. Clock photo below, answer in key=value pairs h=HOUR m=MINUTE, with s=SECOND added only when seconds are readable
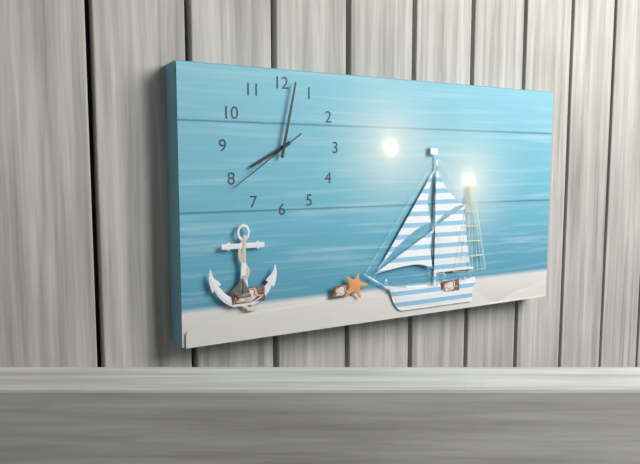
h=8 m=2 s=39
